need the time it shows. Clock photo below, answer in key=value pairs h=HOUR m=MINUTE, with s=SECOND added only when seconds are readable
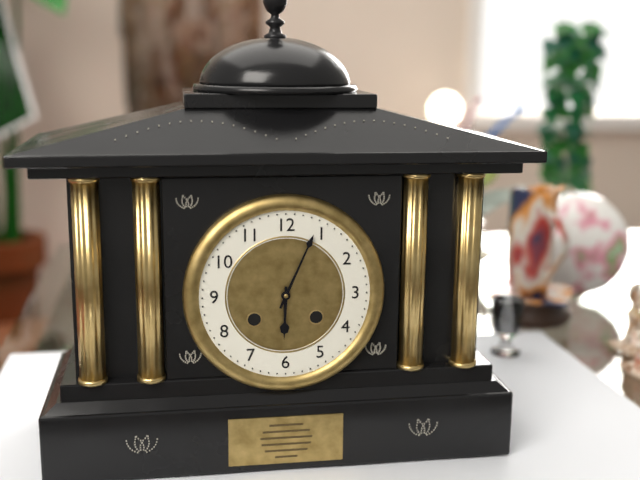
h=6 m=4
